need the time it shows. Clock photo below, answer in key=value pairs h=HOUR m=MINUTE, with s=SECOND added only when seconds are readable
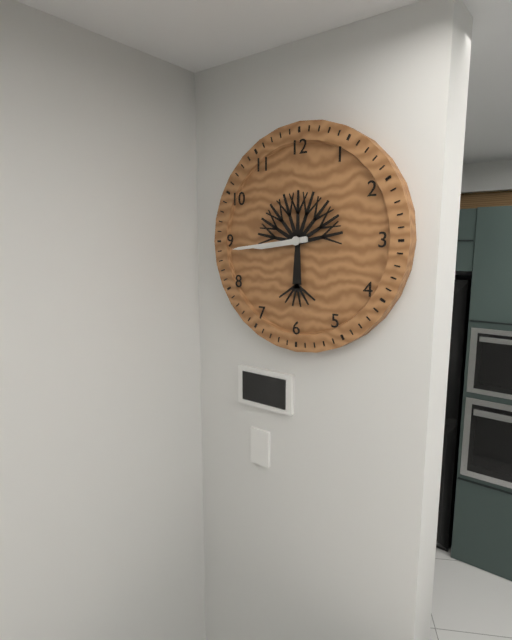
h=8 m=44
